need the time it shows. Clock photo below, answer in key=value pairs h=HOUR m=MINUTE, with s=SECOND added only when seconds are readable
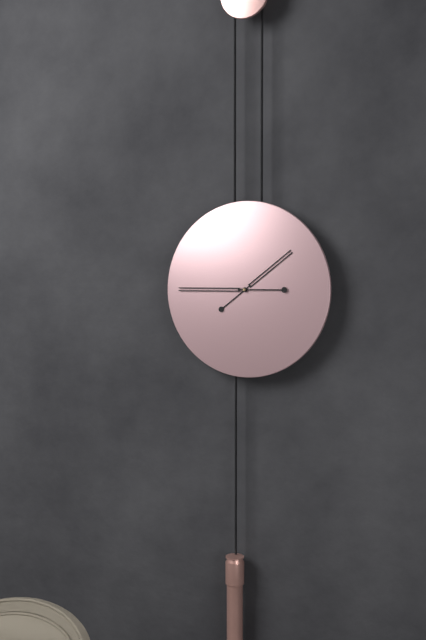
h=1 m=45
